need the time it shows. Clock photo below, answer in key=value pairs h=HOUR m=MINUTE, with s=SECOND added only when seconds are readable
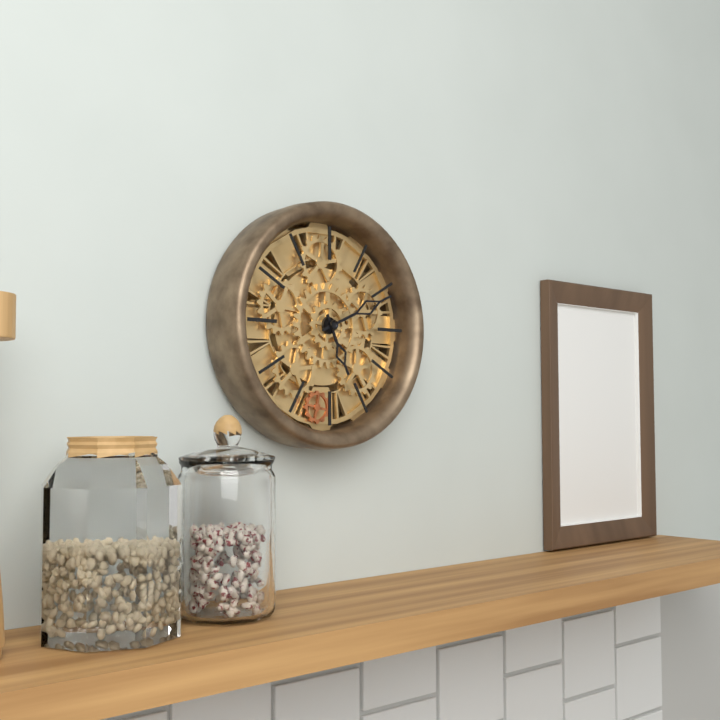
h=5 m=11
